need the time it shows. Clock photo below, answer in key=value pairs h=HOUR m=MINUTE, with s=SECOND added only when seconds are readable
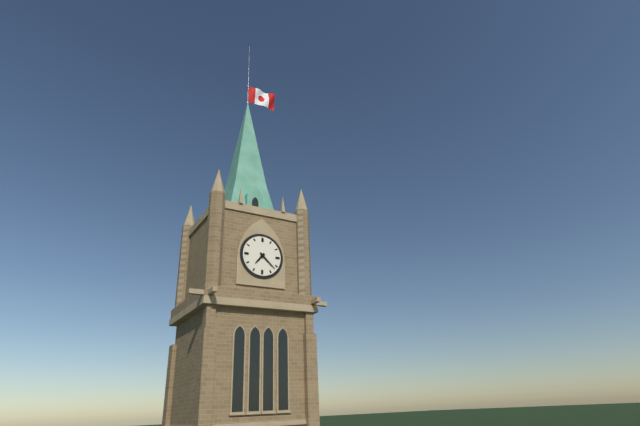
h=7 m=22
